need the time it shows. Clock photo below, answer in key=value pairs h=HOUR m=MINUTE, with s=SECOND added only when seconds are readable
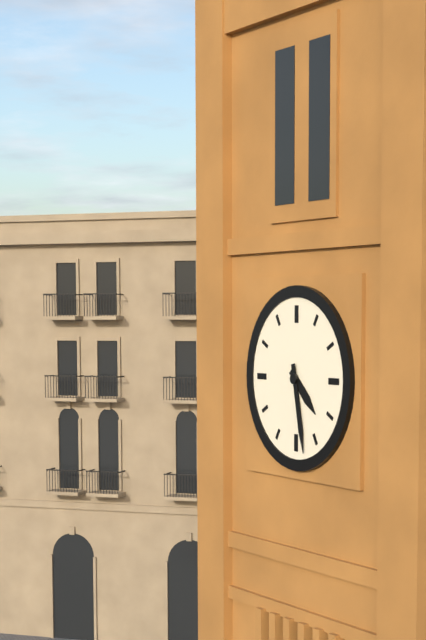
h=4 m=28
